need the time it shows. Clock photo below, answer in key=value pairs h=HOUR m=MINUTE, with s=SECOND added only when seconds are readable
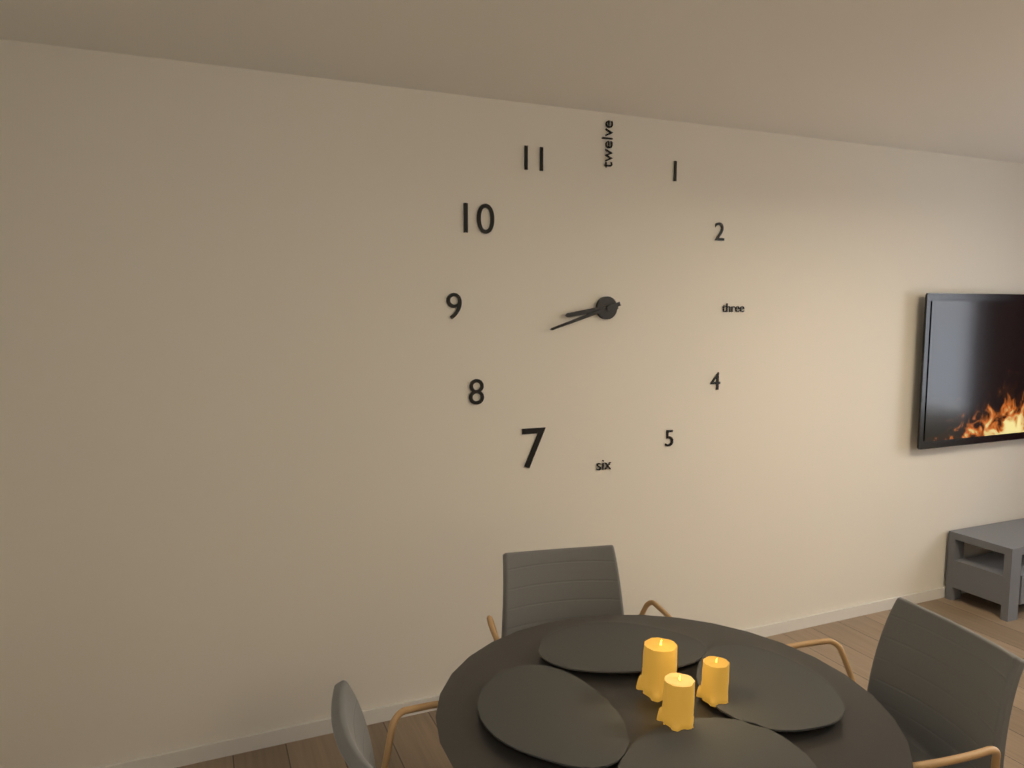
h=8 m=42
